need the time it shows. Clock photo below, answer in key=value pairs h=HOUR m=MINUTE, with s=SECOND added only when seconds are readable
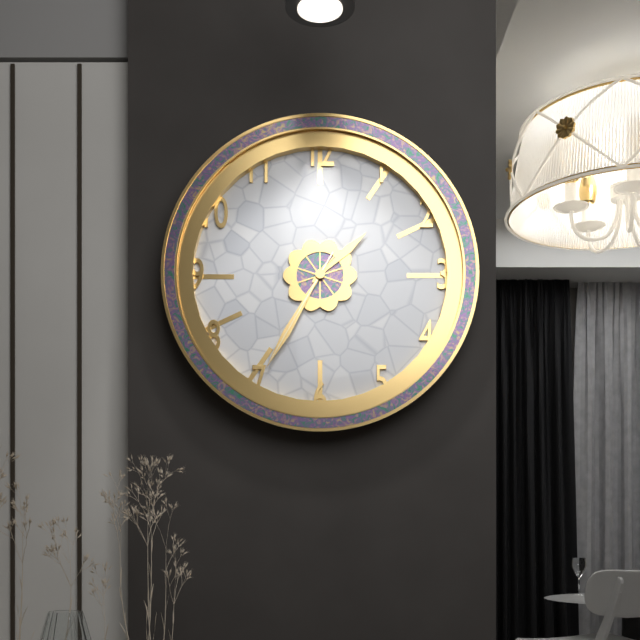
h=1 m=35 s=35
